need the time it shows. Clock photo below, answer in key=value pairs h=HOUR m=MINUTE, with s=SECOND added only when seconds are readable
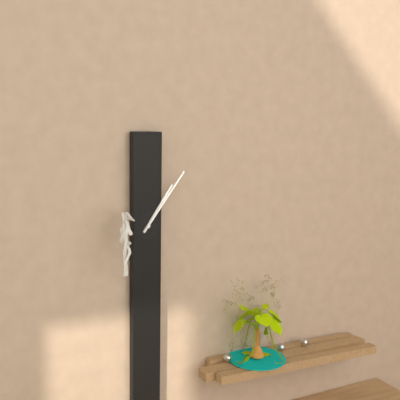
h=1 m=6
